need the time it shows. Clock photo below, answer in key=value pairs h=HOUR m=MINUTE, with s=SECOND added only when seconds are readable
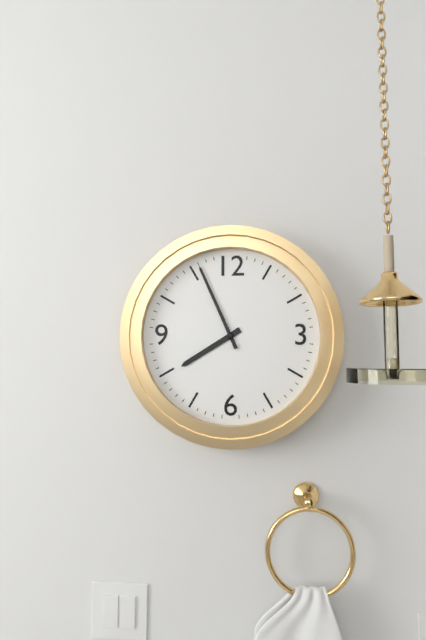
h=7 m=56
